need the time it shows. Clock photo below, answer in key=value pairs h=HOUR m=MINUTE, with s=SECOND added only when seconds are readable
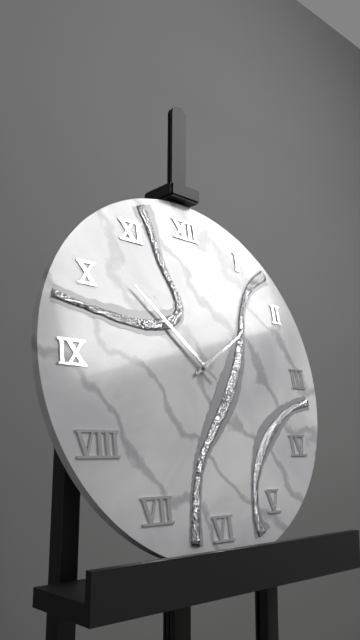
h=1 m=52
